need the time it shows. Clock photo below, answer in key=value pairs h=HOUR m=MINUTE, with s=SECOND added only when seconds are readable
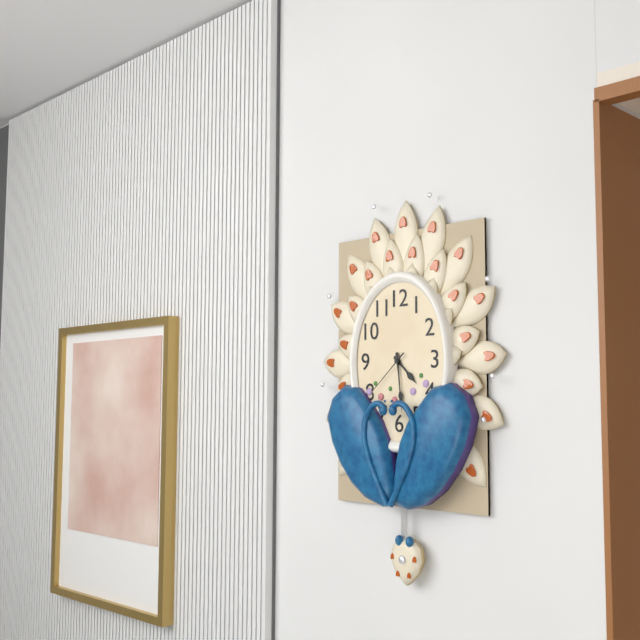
h=4 m=29
